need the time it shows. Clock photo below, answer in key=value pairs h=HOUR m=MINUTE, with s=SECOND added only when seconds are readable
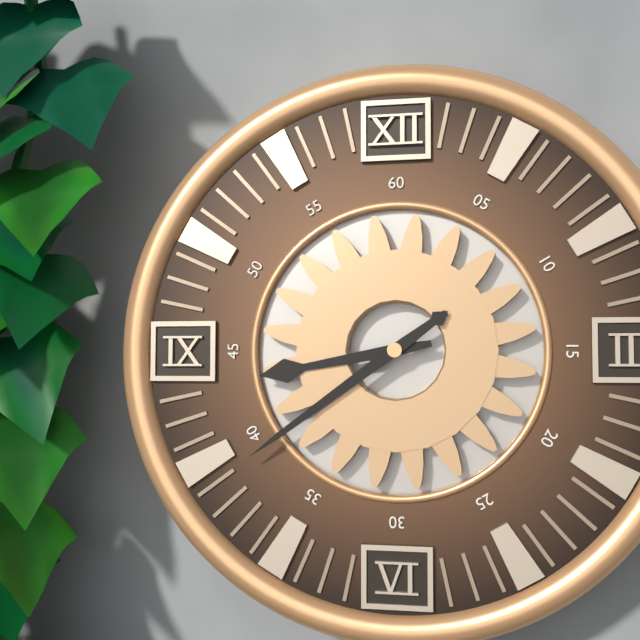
h=8 m=39
